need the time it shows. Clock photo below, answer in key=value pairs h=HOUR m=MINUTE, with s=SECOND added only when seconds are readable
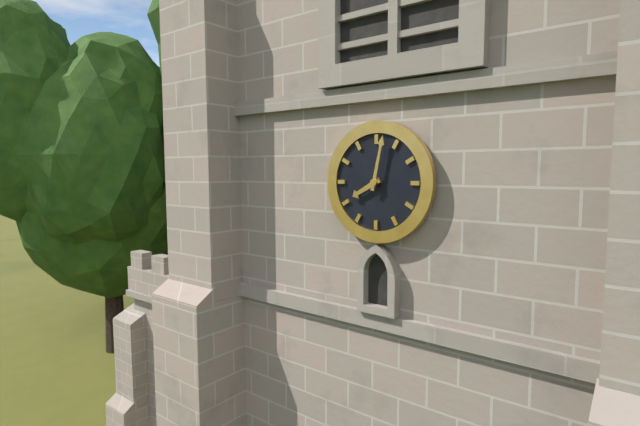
h=8 m=2
